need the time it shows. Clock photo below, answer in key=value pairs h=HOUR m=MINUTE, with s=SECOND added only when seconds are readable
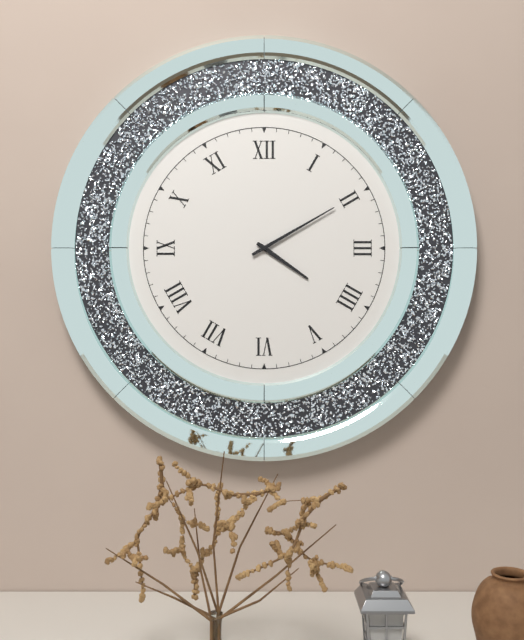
h=4 m=10
